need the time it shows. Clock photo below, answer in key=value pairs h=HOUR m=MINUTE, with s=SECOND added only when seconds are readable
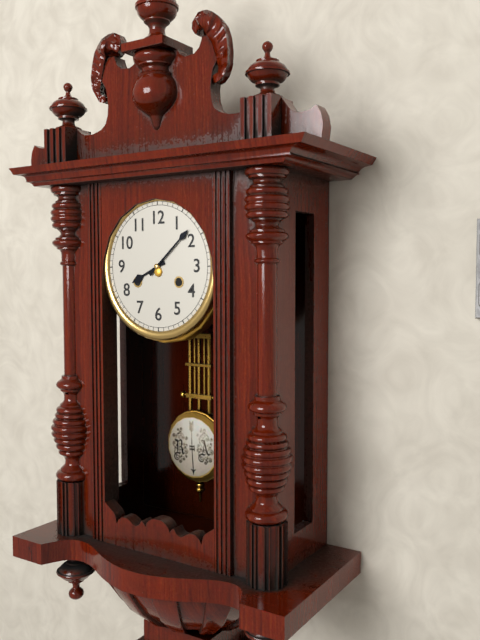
h=8 m=8
